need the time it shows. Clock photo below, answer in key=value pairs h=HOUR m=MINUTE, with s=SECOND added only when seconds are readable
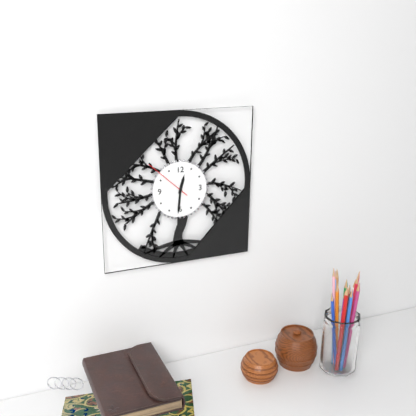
h=12 m=31 s=52
